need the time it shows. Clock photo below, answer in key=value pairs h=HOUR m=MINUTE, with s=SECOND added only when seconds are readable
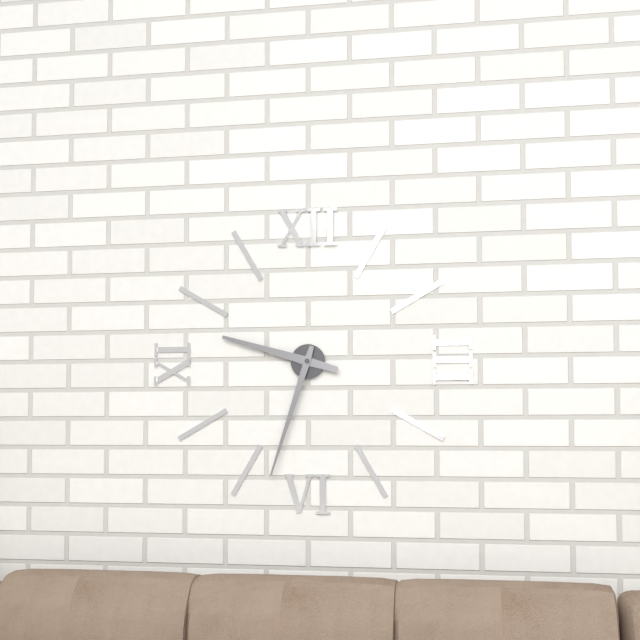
h=9 m=33
